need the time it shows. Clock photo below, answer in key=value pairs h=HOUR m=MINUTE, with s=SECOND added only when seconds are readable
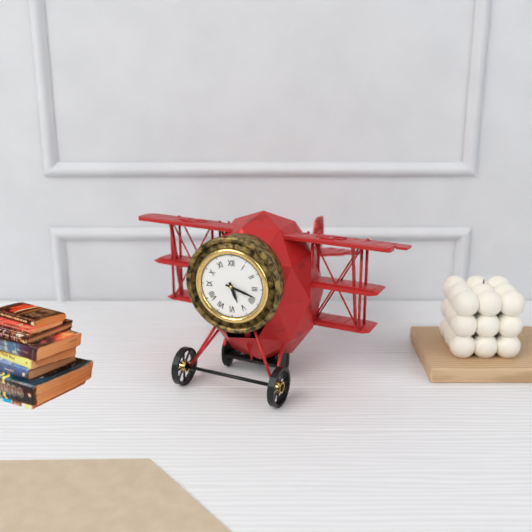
h=5 m=18
